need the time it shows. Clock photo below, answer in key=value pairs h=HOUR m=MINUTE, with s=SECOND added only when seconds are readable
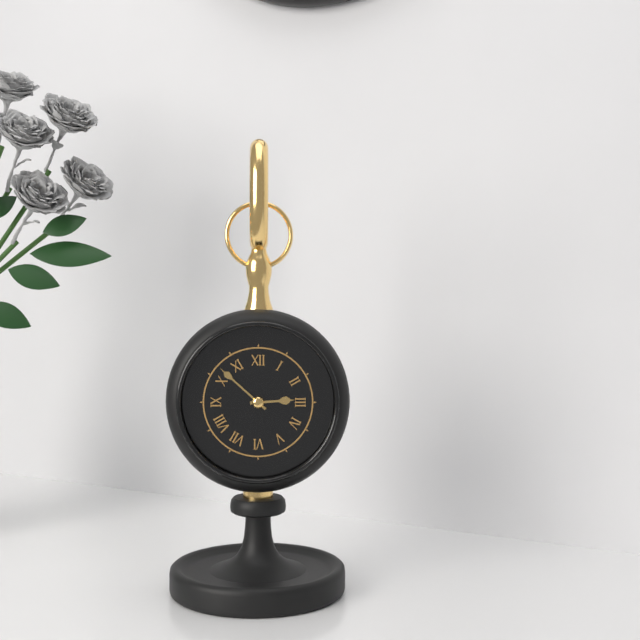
h=2 m=52
